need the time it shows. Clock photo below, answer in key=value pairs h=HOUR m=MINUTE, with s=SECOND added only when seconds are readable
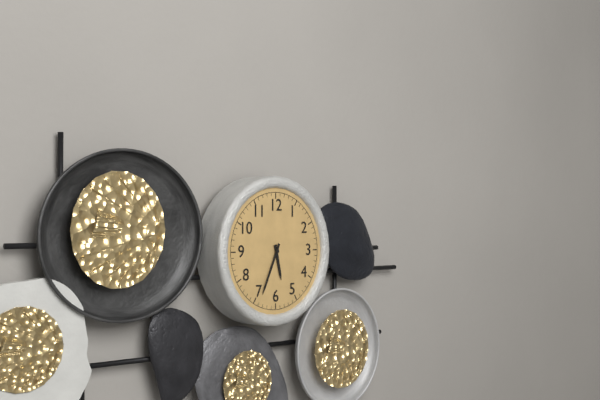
h=5 m=34
